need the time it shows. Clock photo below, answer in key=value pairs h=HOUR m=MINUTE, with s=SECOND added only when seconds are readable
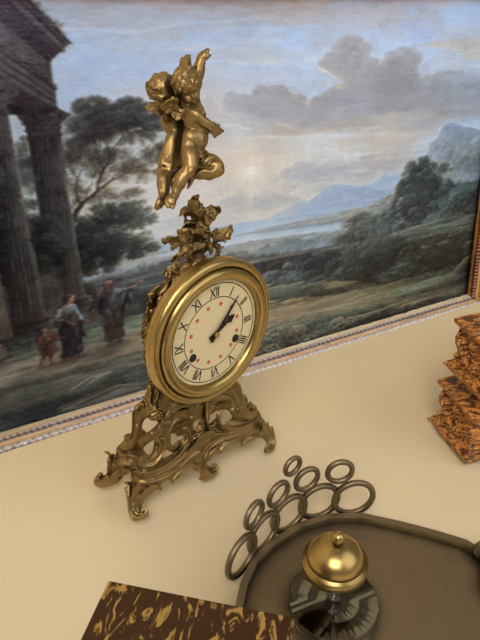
h=2 m=7
